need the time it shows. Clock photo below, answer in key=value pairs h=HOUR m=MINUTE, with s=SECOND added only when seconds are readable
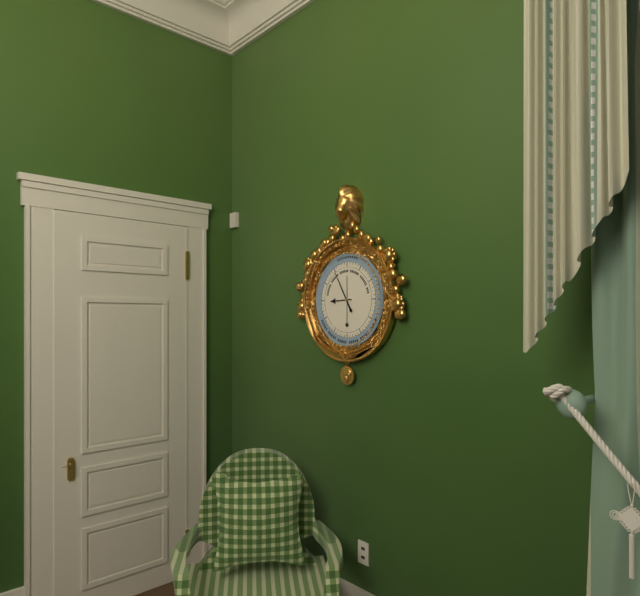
h=8 m=55
